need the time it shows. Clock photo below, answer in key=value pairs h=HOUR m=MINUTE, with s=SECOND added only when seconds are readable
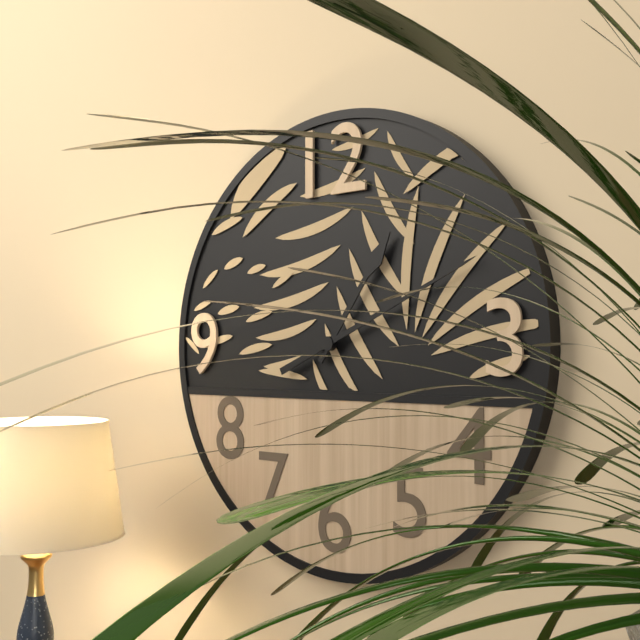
h=1 m=11
